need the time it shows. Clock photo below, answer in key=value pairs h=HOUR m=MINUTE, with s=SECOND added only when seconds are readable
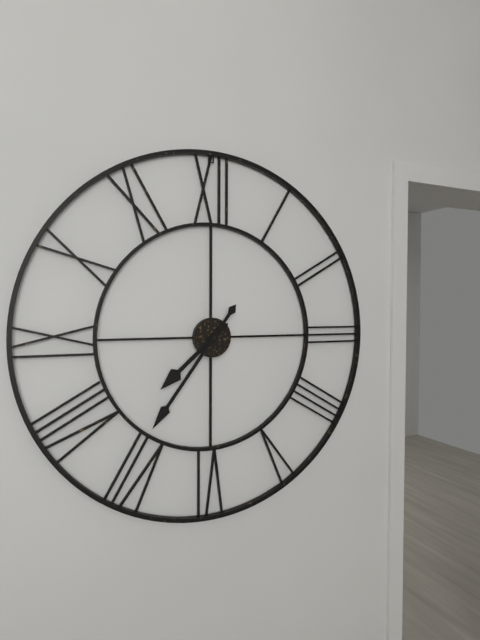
h=7 m=36
